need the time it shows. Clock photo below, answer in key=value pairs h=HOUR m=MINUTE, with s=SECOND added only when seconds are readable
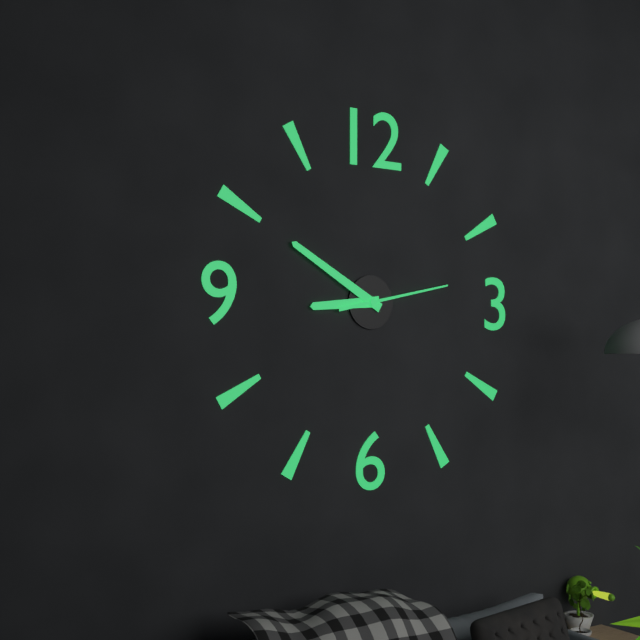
h=8 m=50 s=13
